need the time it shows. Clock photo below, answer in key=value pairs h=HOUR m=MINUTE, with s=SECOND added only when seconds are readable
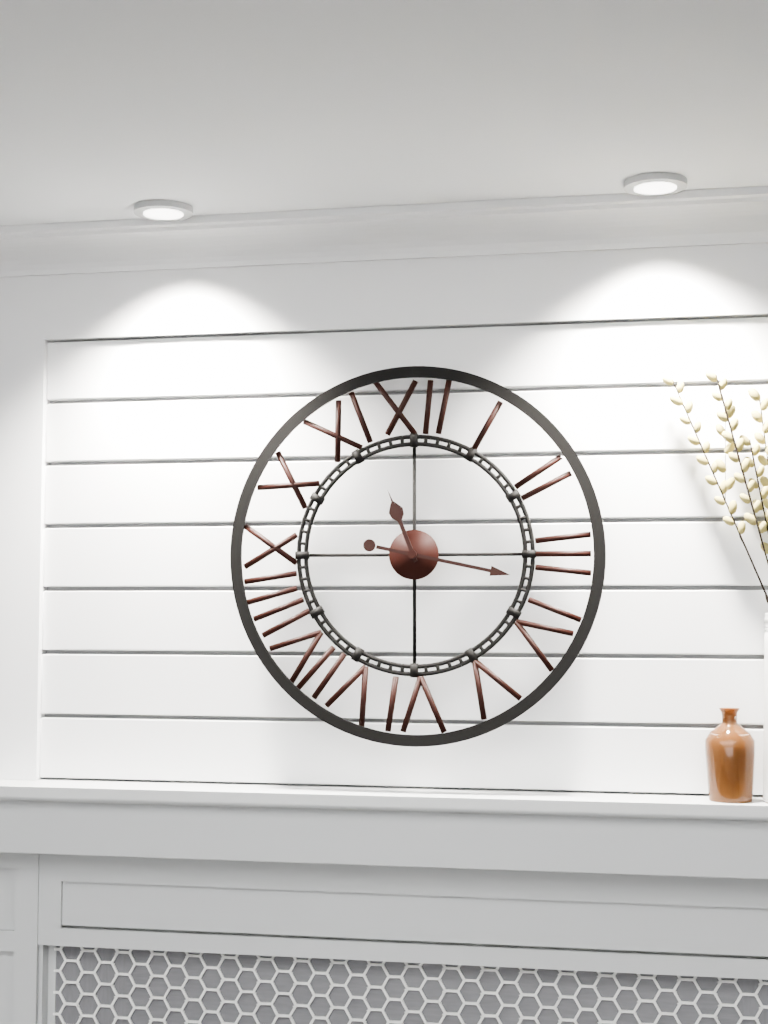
h=11 m=17
